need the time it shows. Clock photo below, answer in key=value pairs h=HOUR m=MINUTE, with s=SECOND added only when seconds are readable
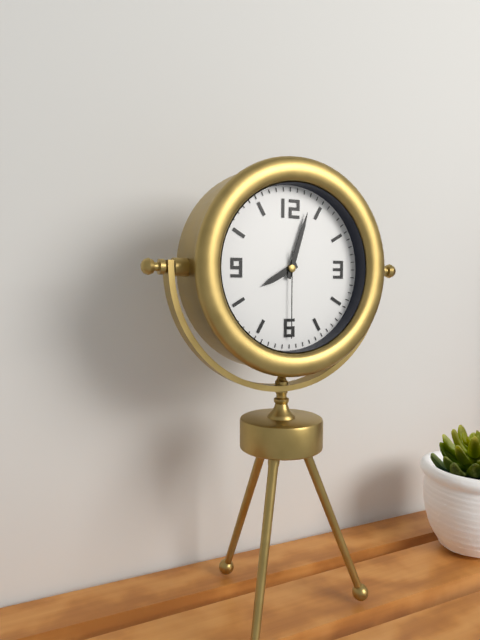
h=8 m=3 s=30
